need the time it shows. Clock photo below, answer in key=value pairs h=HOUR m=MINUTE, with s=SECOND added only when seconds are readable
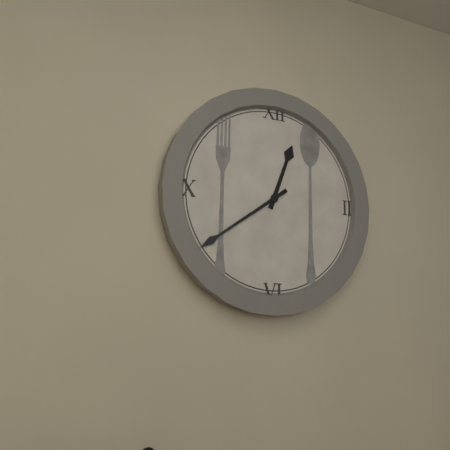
h=12 m=39
